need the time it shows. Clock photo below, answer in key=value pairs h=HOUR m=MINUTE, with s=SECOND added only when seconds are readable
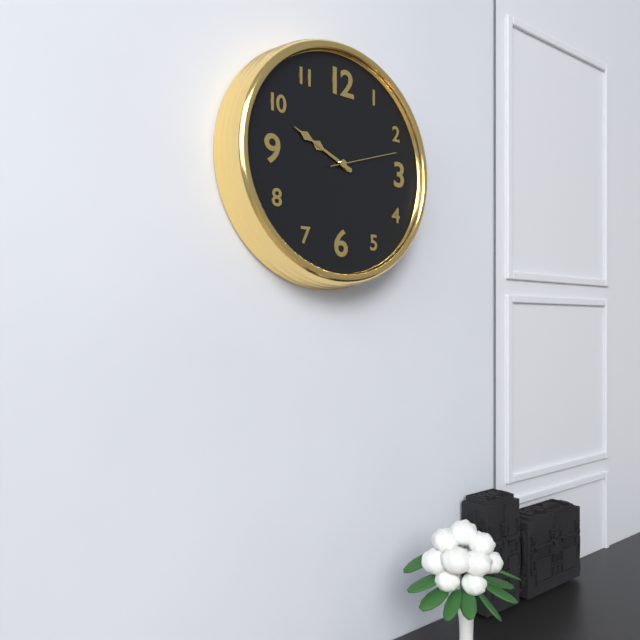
h=9 m=49 s=12
